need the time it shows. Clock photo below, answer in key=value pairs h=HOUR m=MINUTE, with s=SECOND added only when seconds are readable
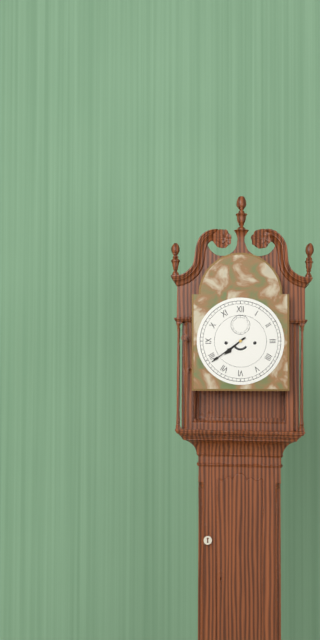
h=7 m=39
